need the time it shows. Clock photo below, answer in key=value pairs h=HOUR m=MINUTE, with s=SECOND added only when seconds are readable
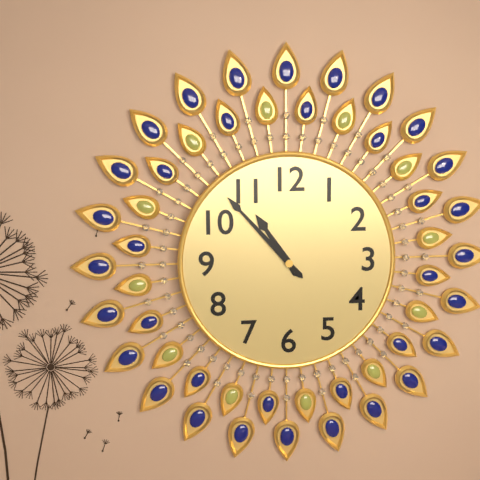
h=10 m=53
